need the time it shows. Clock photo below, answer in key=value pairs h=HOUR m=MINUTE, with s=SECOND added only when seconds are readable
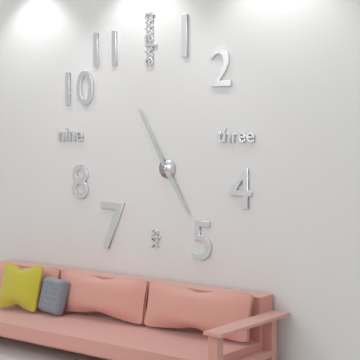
h=4 m=55
